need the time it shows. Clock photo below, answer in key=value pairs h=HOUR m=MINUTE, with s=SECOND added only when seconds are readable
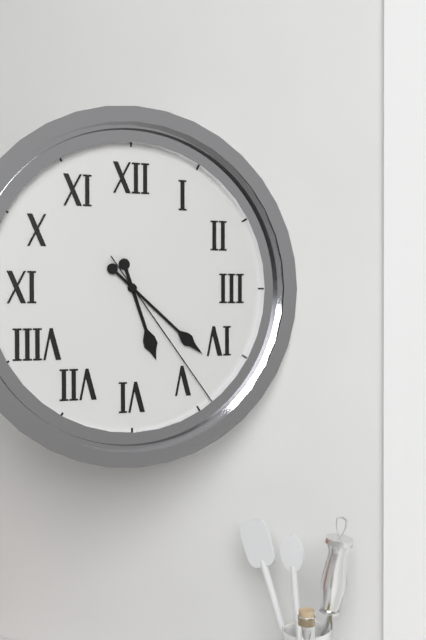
h=5 m=22 s=24
